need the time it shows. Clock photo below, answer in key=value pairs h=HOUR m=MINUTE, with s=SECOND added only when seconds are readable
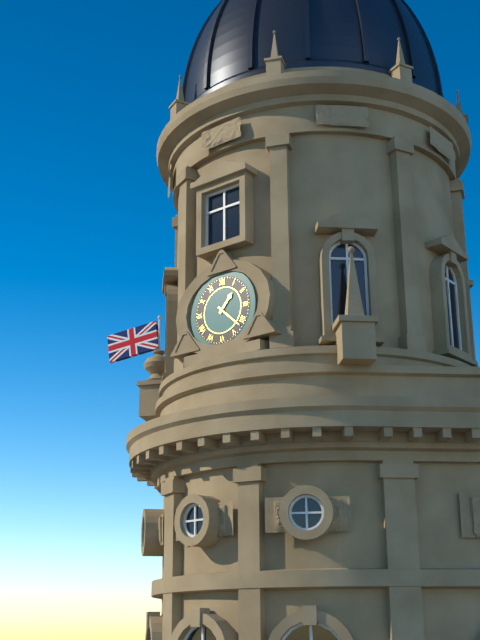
h=1 m=22
